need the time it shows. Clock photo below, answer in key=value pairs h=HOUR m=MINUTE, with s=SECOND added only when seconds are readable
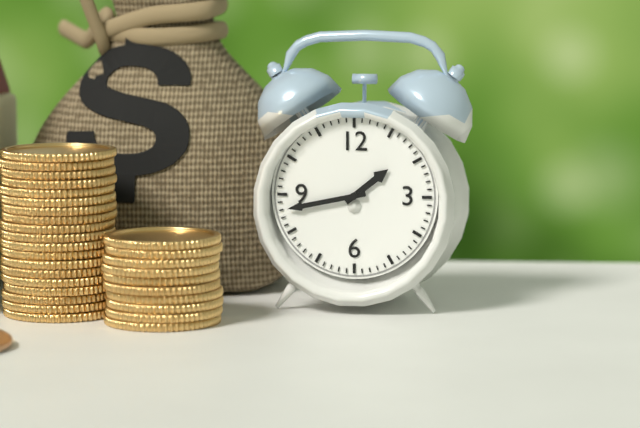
h=1 m=43
